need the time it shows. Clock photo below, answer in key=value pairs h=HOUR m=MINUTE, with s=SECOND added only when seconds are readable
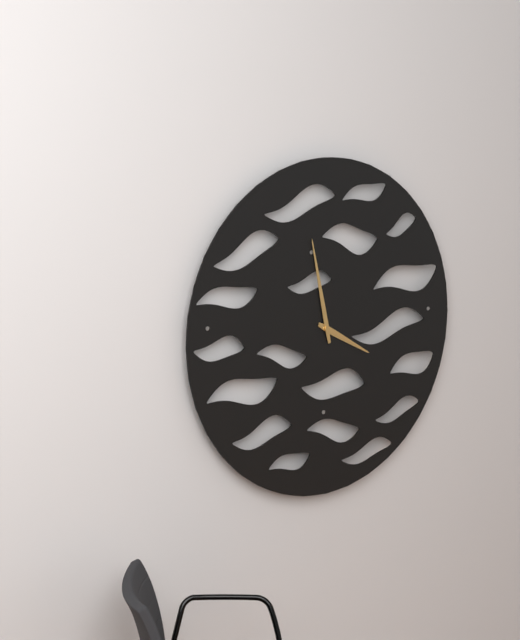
h=3 m=58
